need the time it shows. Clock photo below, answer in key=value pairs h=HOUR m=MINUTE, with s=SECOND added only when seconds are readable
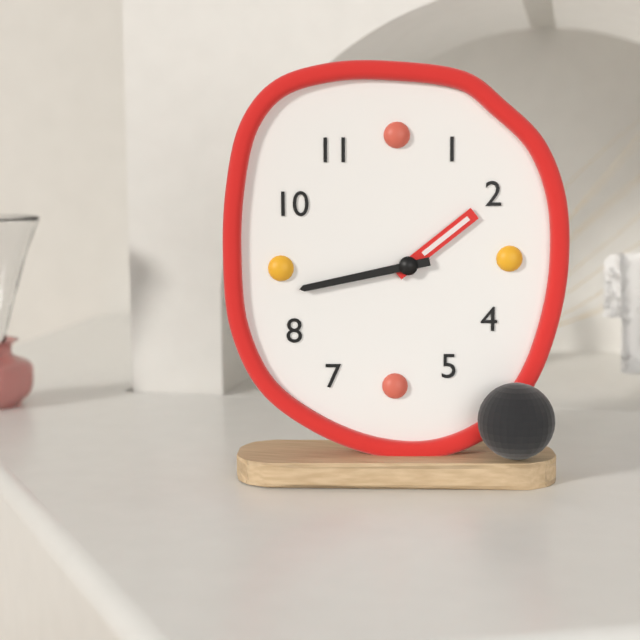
h=1 m=43
